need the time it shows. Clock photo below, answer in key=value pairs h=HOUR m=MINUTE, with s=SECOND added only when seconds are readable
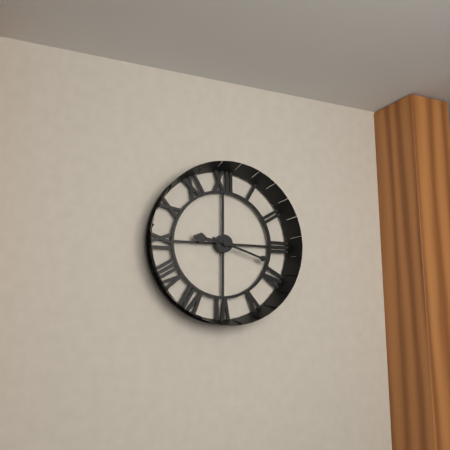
h=9 m=18
